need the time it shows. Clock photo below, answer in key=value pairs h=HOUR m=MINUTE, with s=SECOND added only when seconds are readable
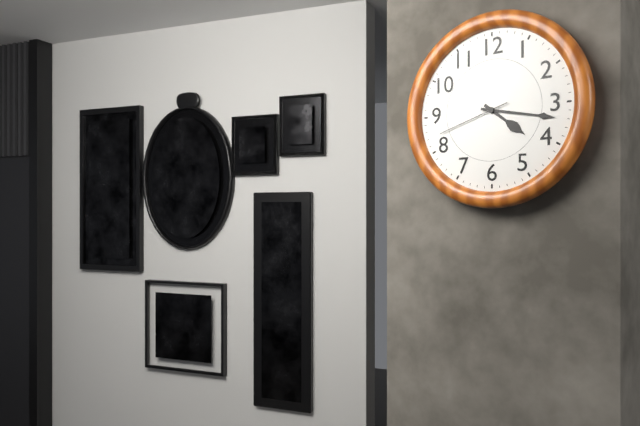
h=4 m=17 s=42
